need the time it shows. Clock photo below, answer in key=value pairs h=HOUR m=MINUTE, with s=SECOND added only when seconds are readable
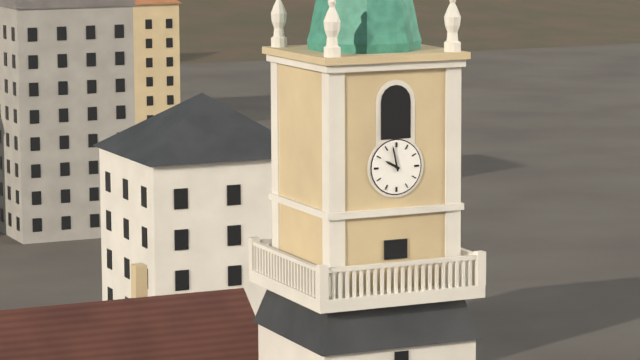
h=9 m=58
